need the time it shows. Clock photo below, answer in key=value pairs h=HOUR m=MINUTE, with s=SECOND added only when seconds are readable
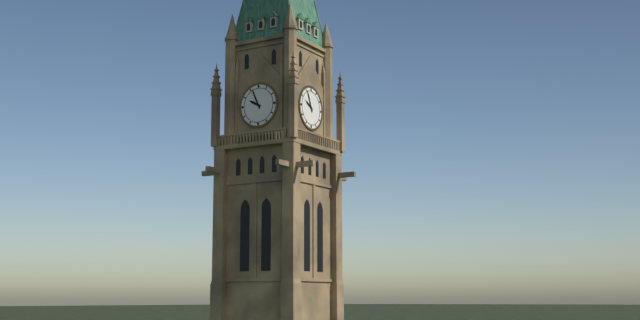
h=9 m=56
